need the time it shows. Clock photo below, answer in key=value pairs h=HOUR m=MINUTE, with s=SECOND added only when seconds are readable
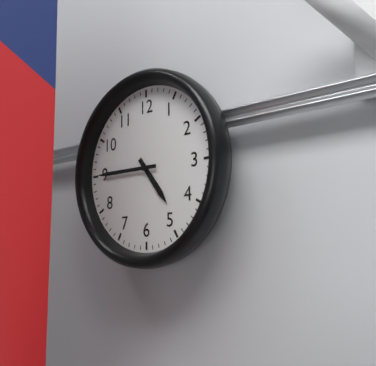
h=4 m=45
